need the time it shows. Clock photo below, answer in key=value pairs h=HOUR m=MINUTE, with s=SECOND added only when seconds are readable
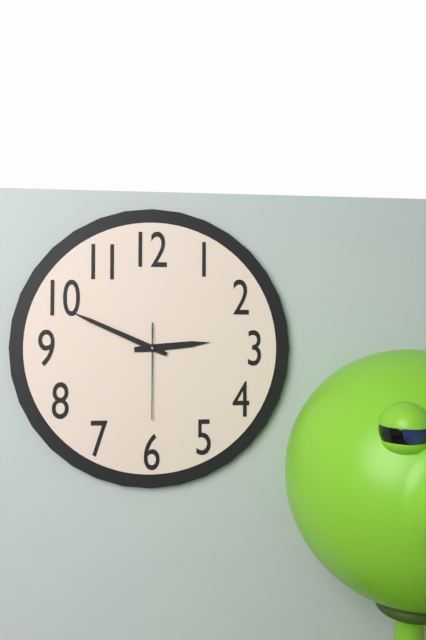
h=2 m=49 s=30
